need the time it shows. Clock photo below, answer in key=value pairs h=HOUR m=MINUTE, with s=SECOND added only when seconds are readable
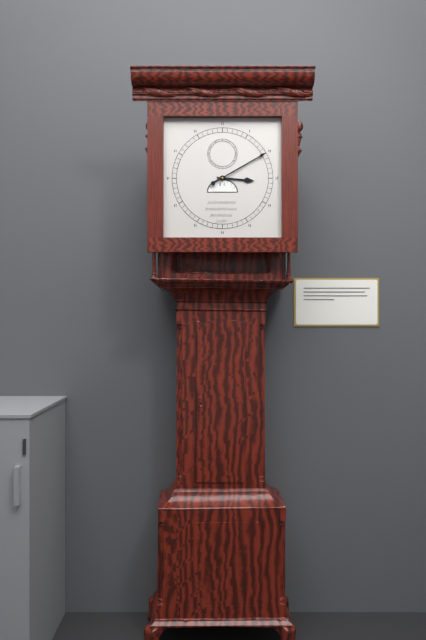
h=3 m=10
